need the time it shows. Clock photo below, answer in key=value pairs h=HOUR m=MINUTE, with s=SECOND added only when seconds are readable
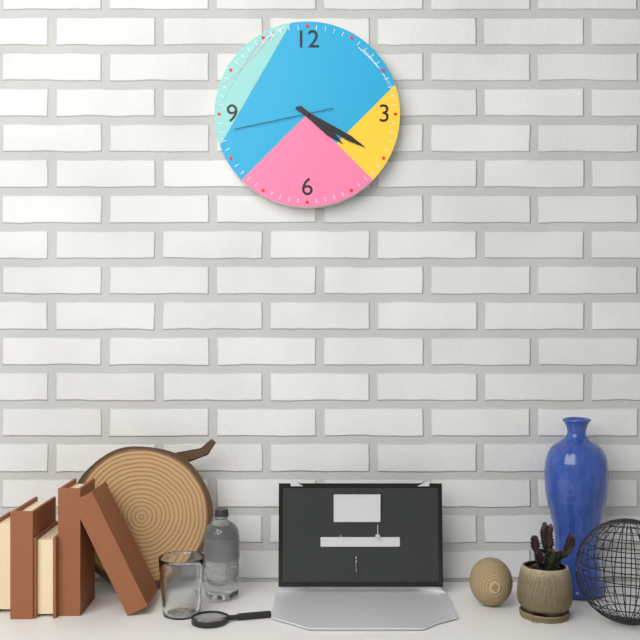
h=4 m=20 s=43
